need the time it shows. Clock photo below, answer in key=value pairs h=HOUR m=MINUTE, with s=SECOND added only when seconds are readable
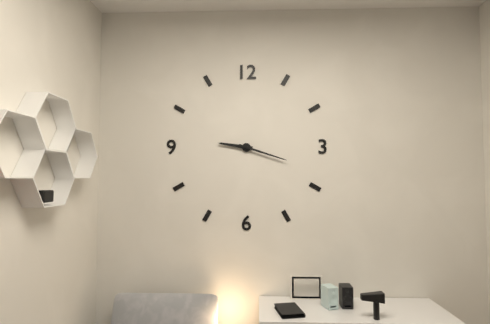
h=9 m=18
